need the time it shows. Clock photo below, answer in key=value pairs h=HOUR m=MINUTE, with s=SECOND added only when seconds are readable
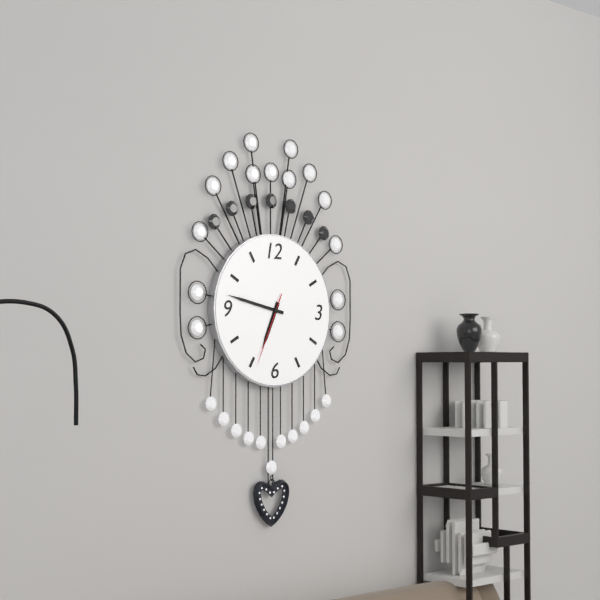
h=6 m=47 s=34
